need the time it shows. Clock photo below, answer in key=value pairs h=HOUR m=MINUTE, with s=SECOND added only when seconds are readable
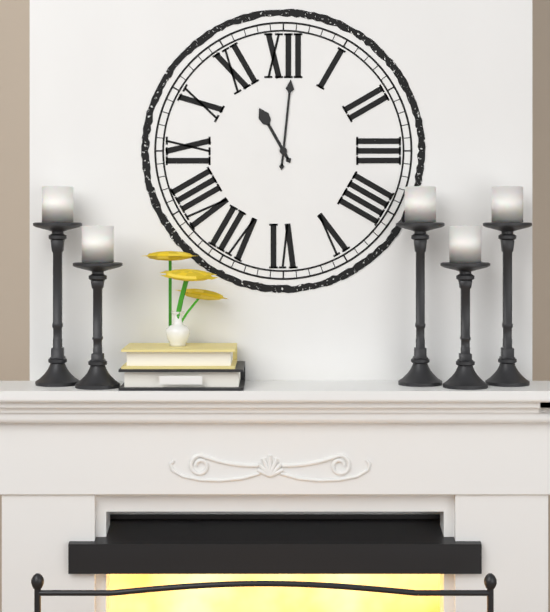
h=11 m=1
